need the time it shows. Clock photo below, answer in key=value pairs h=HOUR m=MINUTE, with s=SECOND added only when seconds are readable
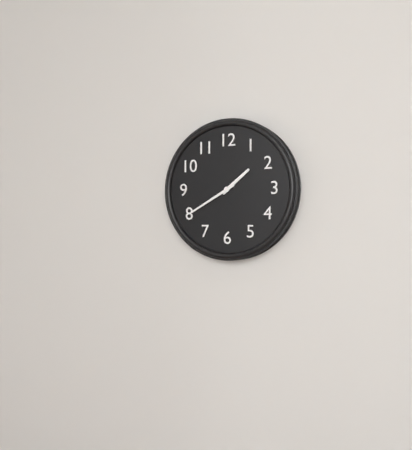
h=1 m=40
